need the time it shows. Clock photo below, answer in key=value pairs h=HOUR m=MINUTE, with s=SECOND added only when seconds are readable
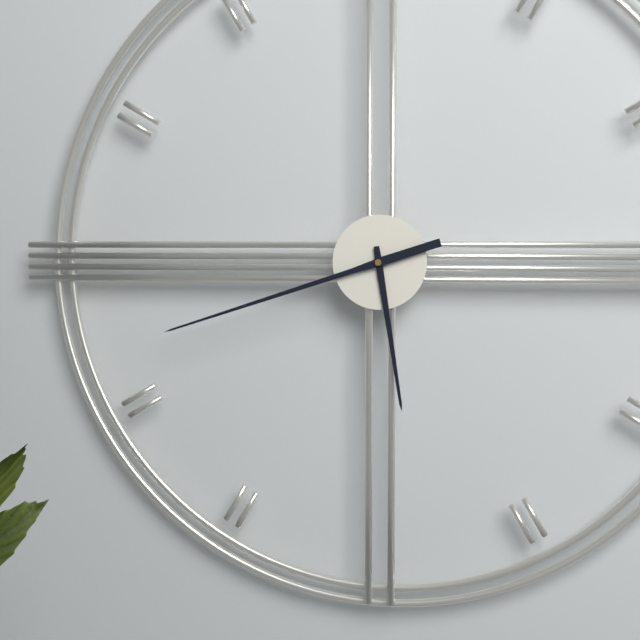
h=5 m=42
